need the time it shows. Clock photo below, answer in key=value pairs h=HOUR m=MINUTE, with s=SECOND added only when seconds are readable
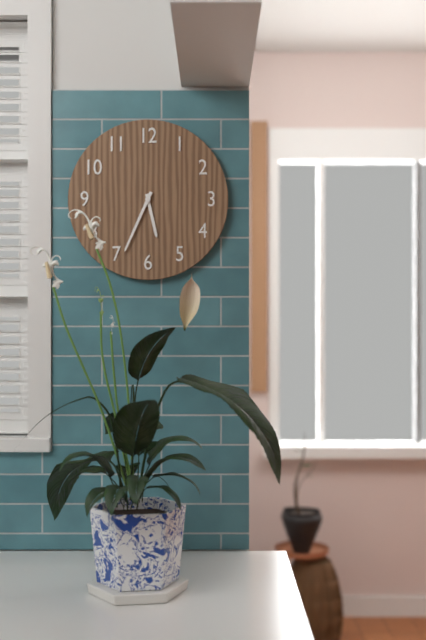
h=5 m=34
